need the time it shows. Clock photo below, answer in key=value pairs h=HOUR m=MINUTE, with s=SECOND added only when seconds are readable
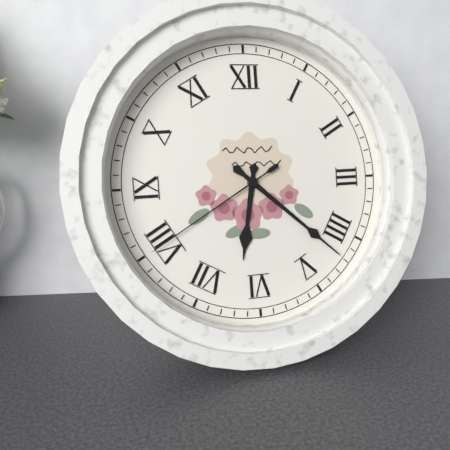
h=6 m=22 s=40
